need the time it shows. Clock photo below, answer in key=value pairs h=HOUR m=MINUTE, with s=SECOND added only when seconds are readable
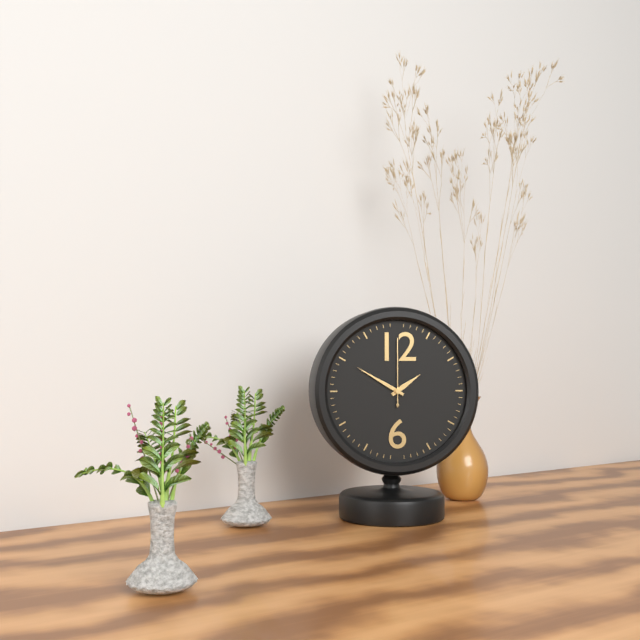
h=1 m=50 s=0
